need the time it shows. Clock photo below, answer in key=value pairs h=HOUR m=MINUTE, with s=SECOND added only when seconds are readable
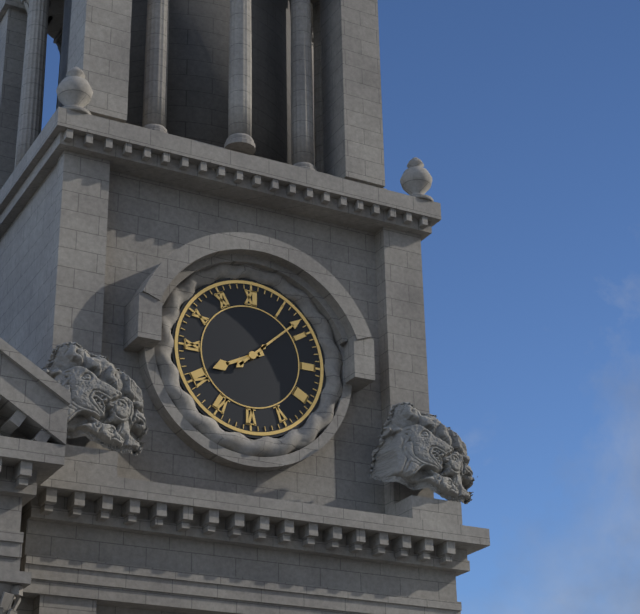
h=8 m=8
